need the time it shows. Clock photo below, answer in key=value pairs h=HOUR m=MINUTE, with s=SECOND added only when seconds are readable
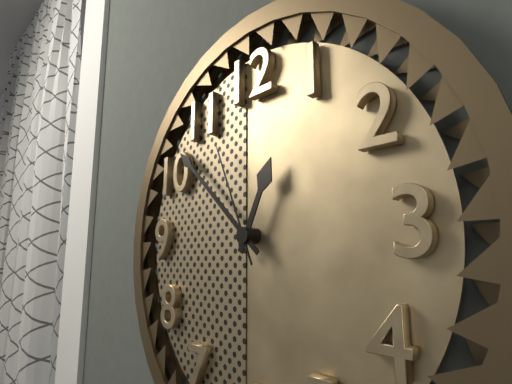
h=12 m=52 s=56
